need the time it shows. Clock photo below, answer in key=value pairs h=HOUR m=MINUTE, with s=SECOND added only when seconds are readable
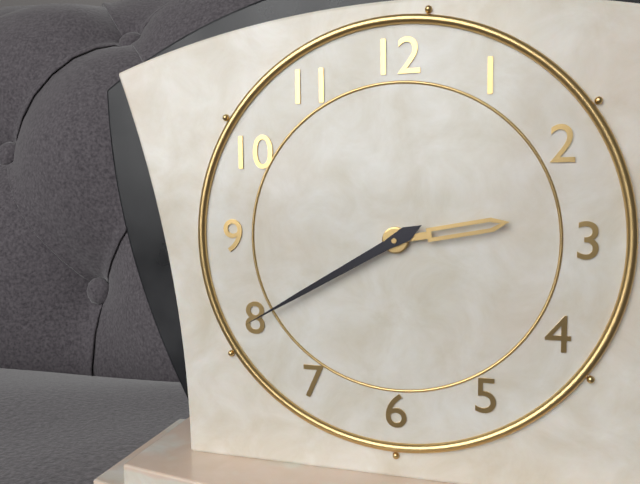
h=2 m=40
